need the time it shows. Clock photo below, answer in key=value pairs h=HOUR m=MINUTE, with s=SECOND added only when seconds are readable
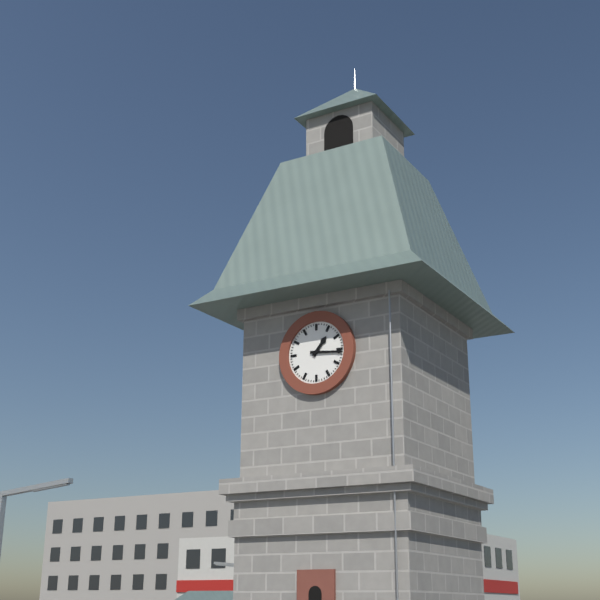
h=1 m=16
